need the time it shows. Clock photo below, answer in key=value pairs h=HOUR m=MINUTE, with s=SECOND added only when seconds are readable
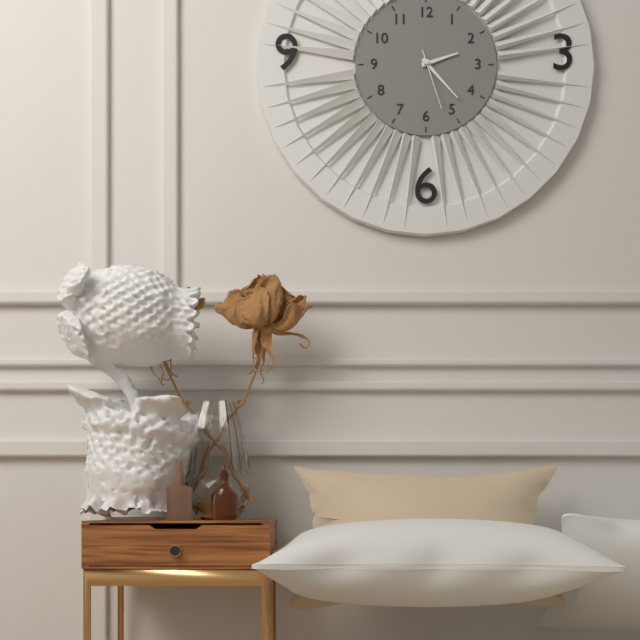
h=2 m=23 s=27
